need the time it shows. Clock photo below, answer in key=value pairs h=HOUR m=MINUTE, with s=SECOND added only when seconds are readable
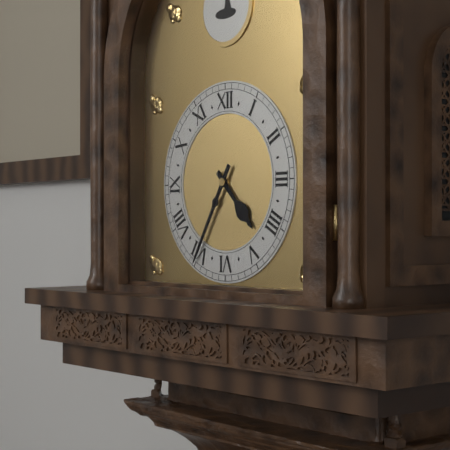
h=4 m=35
